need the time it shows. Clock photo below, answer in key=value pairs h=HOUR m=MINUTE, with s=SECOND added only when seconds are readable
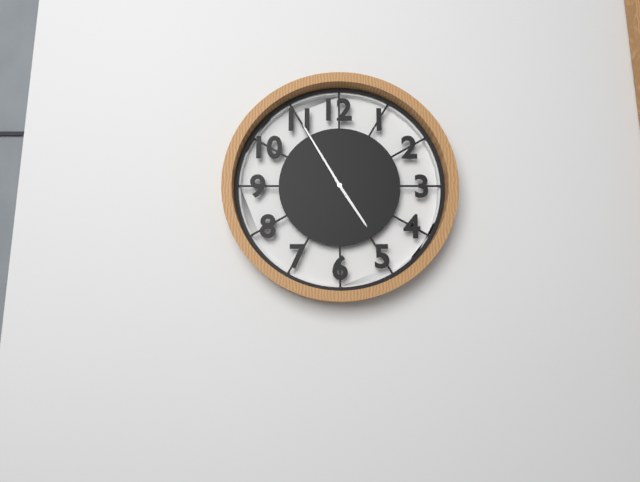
h=4 m=55
